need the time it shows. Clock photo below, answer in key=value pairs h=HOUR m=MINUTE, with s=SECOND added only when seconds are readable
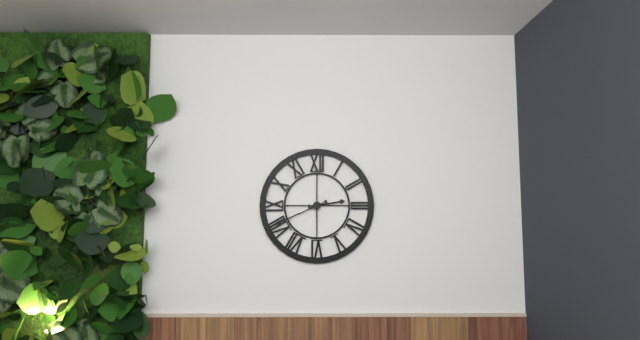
h=2 m=41
